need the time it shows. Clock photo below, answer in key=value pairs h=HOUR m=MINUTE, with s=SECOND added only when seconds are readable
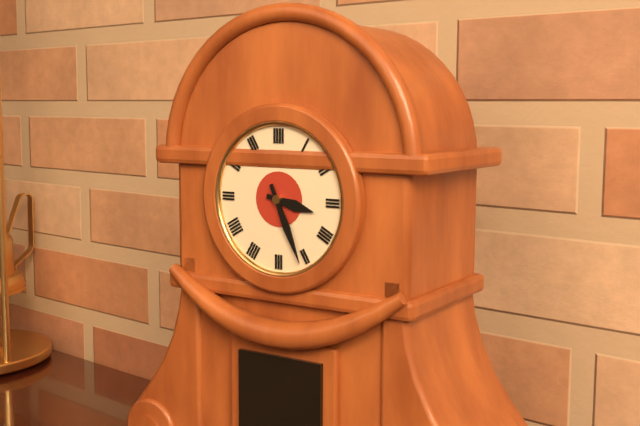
h=3 m=26
